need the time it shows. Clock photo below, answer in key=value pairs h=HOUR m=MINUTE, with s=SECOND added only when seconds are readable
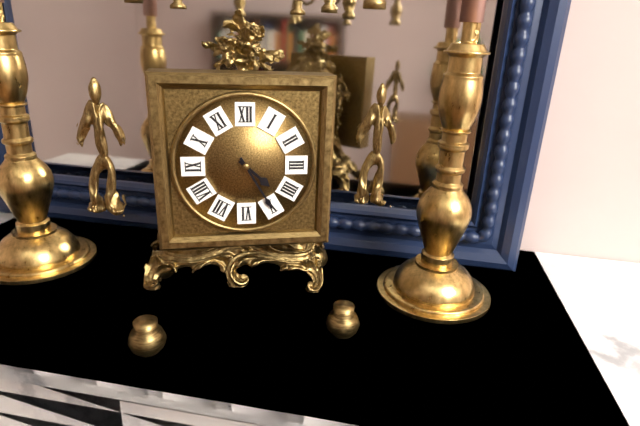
h=4 m=25
